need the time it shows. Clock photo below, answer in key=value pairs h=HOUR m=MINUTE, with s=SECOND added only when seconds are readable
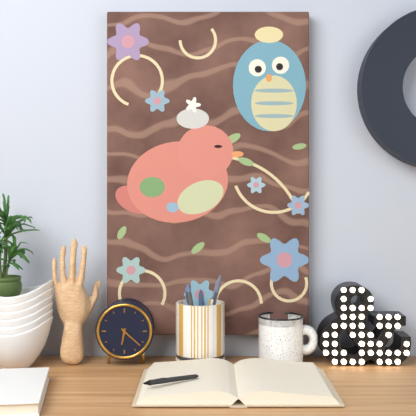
h=6 m=22
